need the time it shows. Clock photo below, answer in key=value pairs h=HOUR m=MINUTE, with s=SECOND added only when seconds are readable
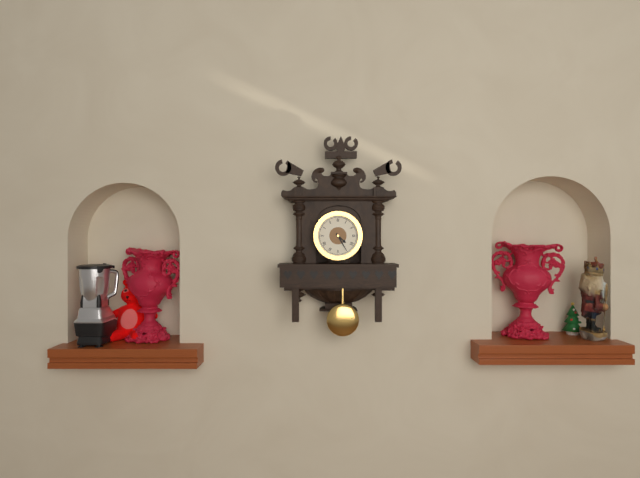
h=4 m=25
